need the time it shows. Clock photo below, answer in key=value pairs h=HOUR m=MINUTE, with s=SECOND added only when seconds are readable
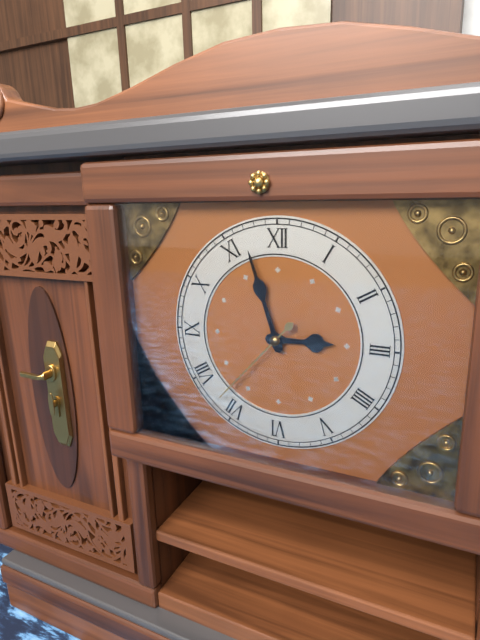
h=2 m=57 s=37
